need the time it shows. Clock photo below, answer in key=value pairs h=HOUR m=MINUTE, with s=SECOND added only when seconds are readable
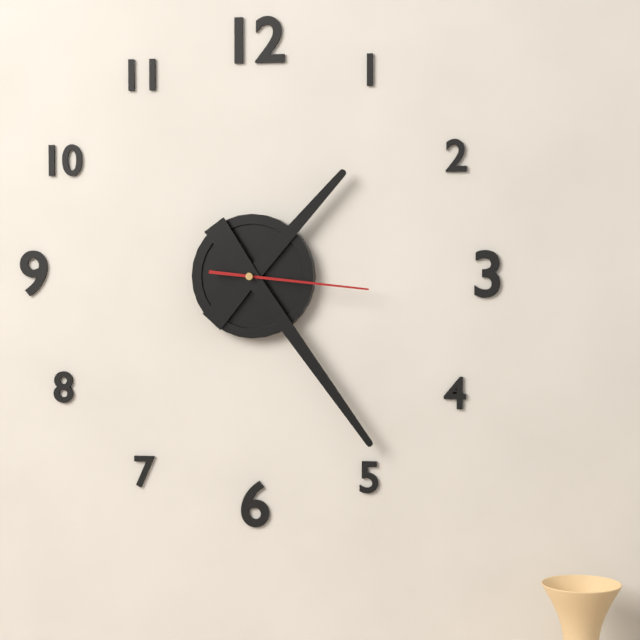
h=1 m=24 s=16
